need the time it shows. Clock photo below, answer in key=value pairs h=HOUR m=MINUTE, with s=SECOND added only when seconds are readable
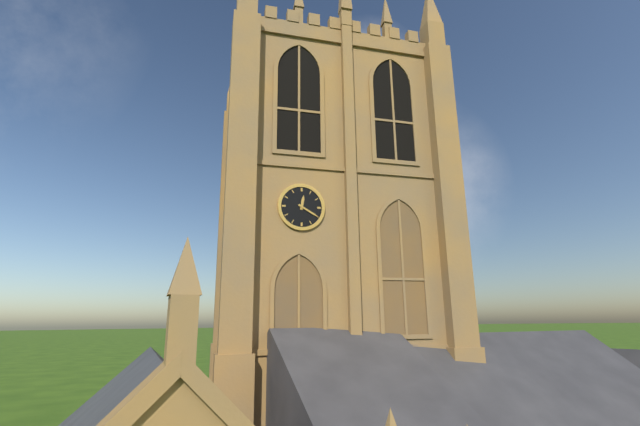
h=12 m=20
